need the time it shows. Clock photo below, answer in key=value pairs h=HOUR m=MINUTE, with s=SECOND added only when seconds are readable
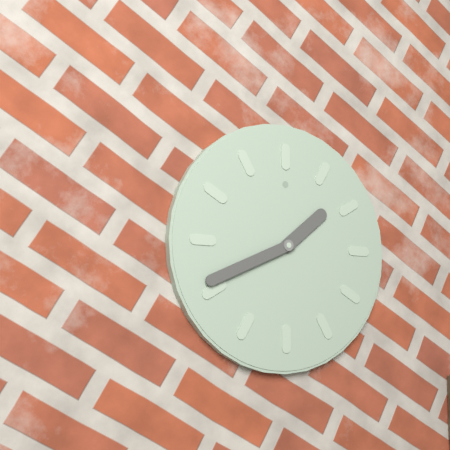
h=1 m=41
